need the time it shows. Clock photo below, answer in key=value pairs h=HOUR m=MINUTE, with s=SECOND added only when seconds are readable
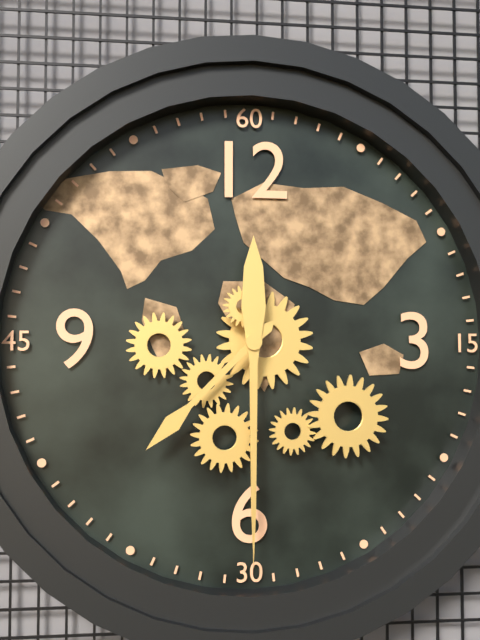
h=7 m=30
